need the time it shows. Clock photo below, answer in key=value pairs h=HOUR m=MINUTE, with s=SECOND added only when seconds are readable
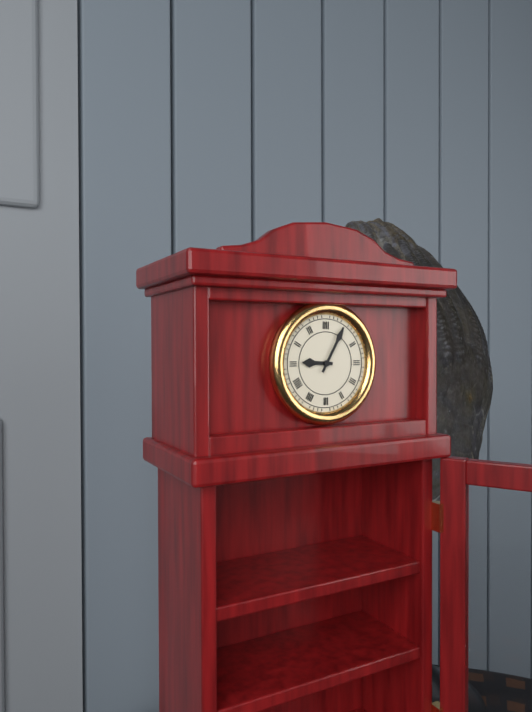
h=9 m=5
